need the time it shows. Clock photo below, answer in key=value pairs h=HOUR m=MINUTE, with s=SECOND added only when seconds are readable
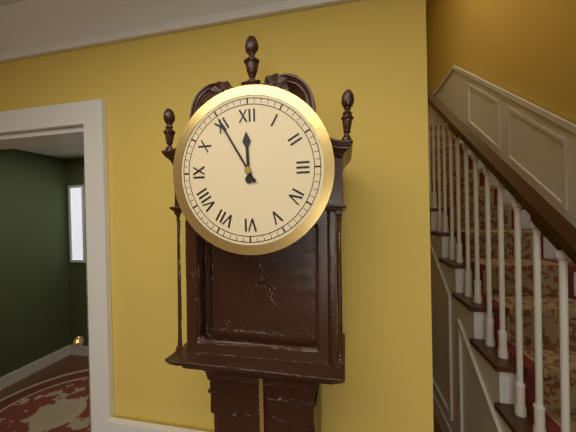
h=11 m=55
